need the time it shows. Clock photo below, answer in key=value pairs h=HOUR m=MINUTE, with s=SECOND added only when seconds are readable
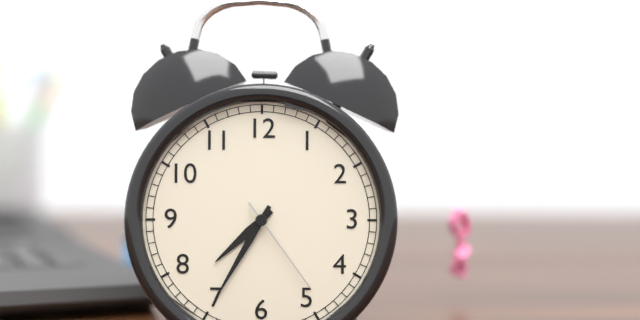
h=7 m=35 s=24
